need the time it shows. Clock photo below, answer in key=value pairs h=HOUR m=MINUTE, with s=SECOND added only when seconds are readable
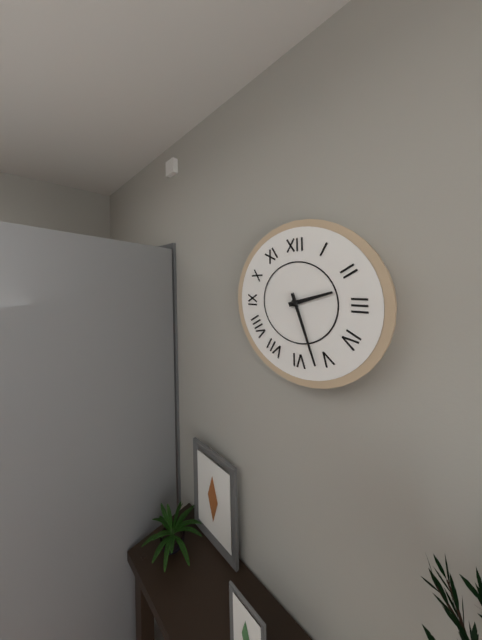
h=2 m=27
